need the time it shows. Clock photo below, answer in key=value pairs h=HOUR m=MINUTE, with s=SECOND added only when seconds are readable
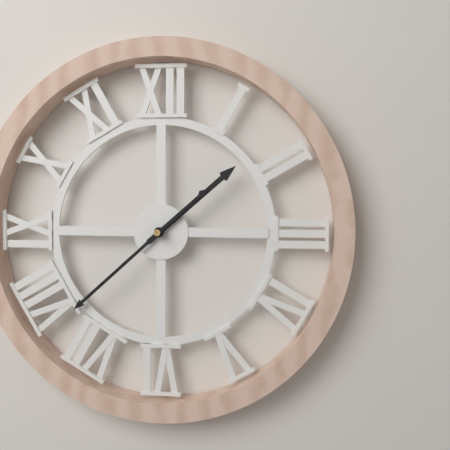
h=1 m=38
